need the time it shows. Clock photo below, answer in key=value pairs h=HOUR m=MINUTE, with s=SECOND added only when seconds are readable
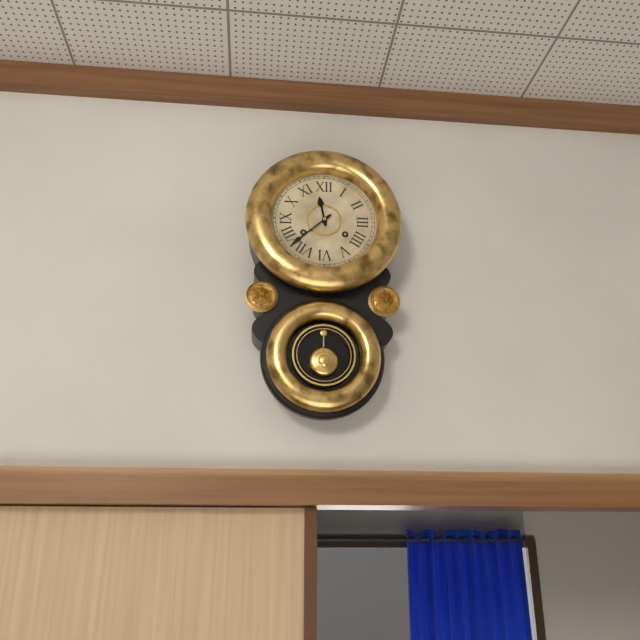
h=11 m=38
